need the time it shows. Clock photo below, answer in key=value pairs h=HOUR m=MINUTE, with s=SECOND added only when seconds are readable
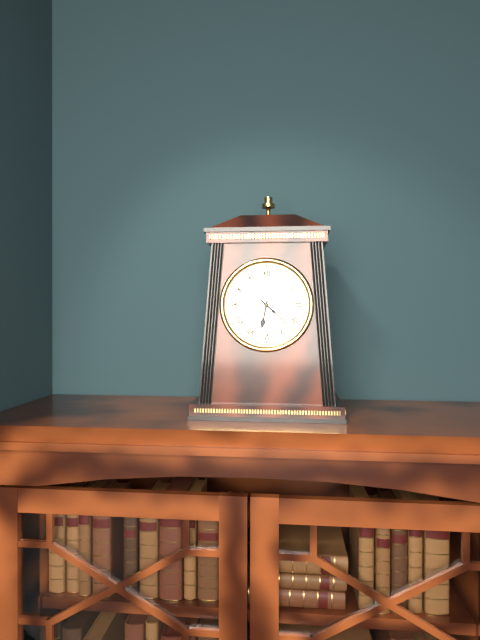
h=6 m=22
